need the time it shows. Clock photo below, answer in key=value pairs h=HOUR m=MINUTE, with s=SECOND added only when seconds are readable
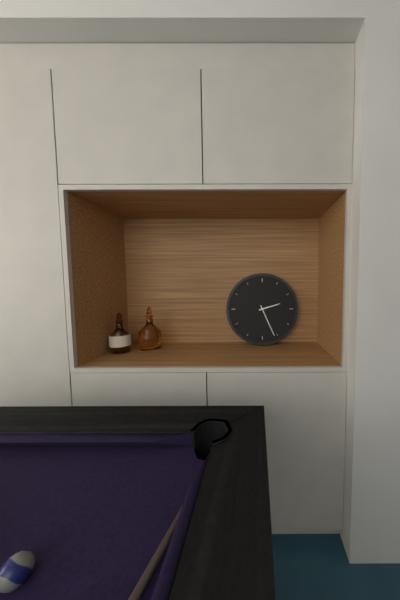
h=2 m=26
